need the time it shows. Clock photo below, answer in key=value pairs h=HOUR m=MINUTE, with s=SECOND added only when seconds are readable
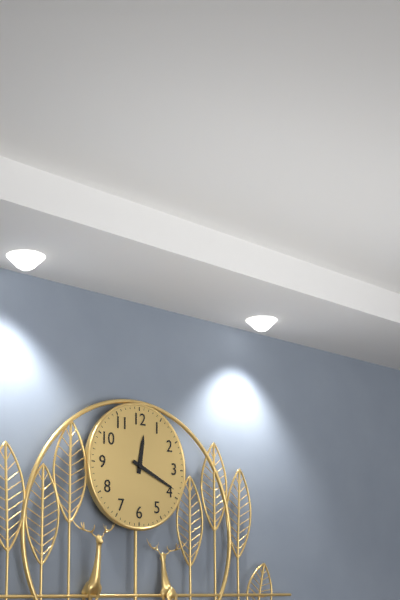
h=12 m=19
